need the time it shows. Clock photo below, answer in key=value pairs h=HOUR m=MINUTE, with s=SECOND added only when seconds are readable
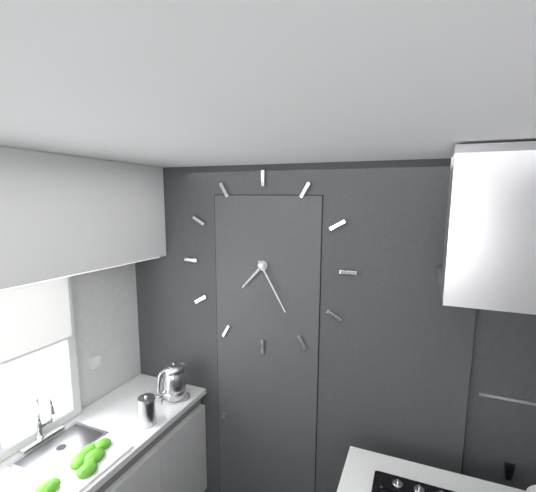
h=7 m=25
